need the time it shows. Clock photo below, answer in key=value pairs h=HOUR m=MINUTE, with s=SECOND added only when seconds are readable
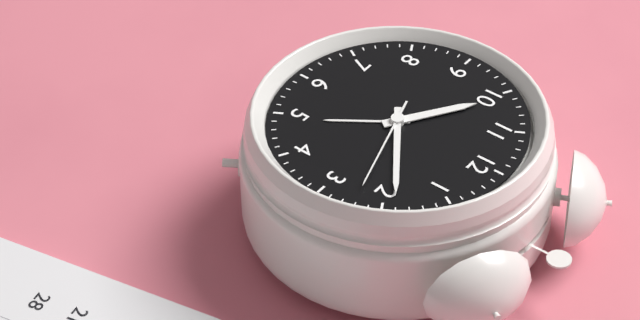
h=10 m=9 s=12
